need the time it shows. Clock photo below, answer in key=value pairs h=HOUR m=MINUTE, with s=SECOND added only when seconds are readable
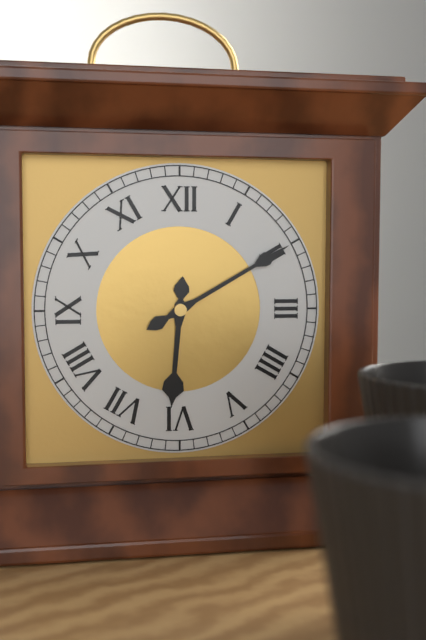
h=6 m=10
